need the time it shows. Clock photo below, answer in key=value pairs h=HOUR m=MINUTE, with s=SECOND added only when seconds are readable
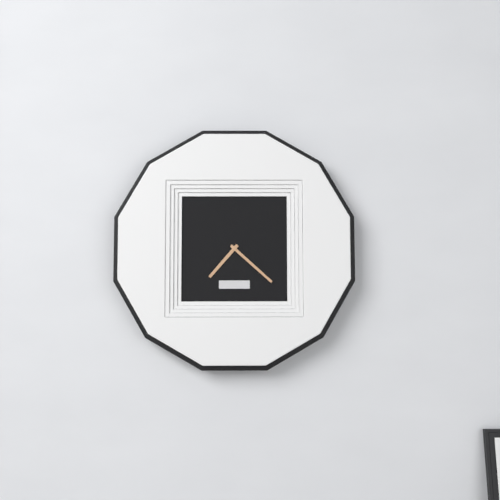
h=7 m=22
